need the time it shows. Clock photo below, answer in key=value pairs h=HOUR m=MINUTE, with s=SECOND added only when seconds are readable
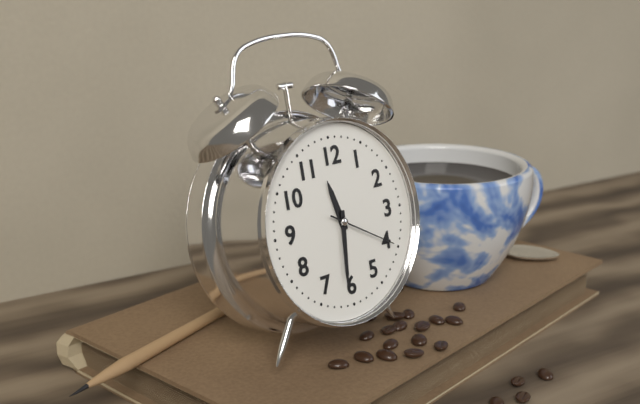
h=11 m=31 s=20
